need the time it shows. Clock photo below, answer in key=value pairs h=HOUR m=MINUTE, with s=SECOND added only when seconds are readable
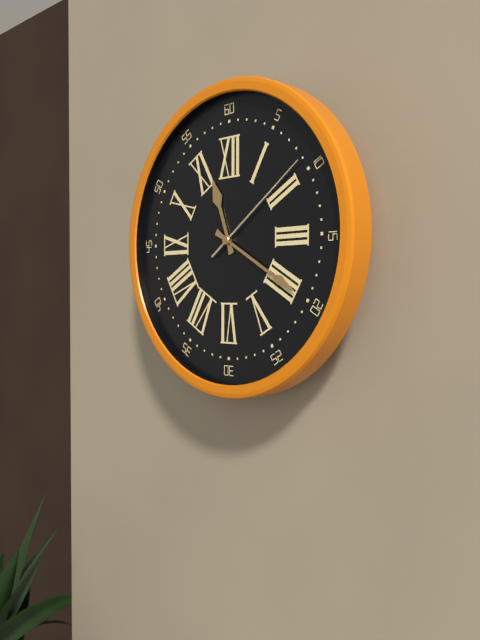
h=11 m=20 s=9
